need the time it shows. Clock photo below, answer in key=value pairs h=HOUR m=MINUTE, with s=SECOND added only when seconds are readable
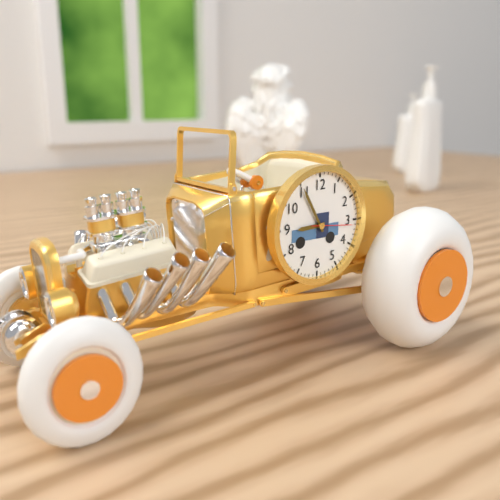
h=8 m=55
